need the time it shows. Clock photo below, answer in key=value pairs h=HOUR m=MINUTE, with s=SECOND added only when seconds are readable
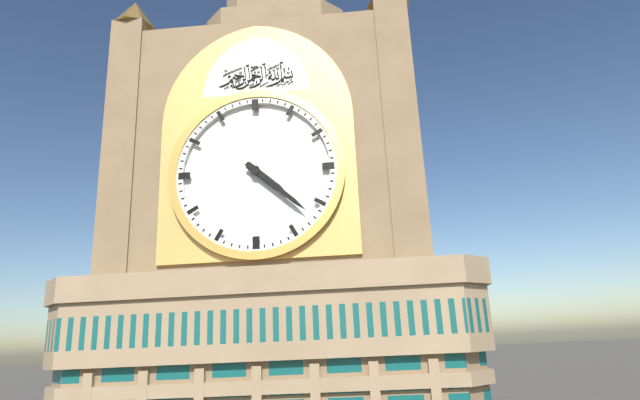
h=4 m=22
